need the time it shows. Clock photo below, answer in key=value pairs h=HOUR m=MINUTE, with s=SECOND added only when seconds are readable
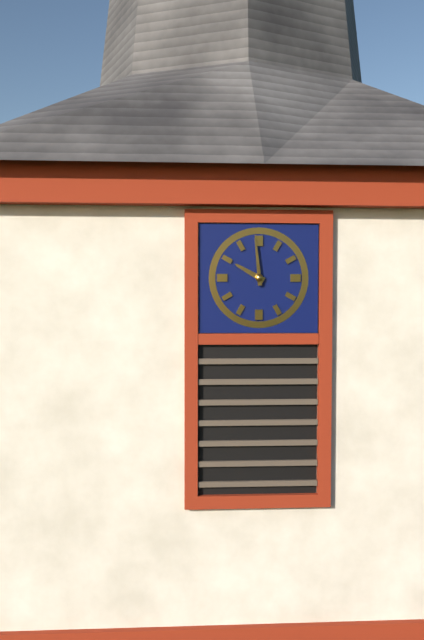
h=9 m=59
